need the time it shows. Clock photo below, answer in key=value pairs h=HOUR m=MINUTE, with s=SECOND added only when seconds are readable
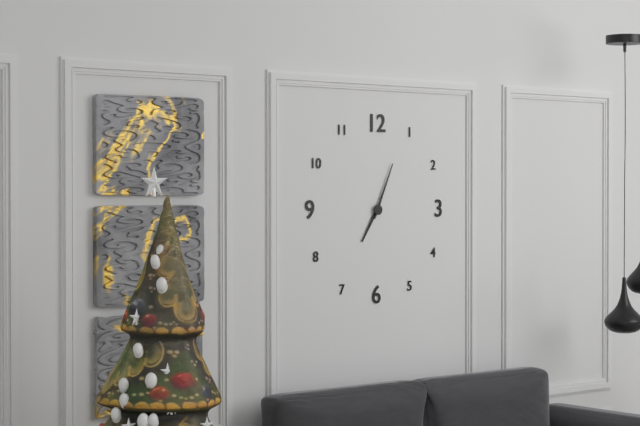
h=7 m=4
